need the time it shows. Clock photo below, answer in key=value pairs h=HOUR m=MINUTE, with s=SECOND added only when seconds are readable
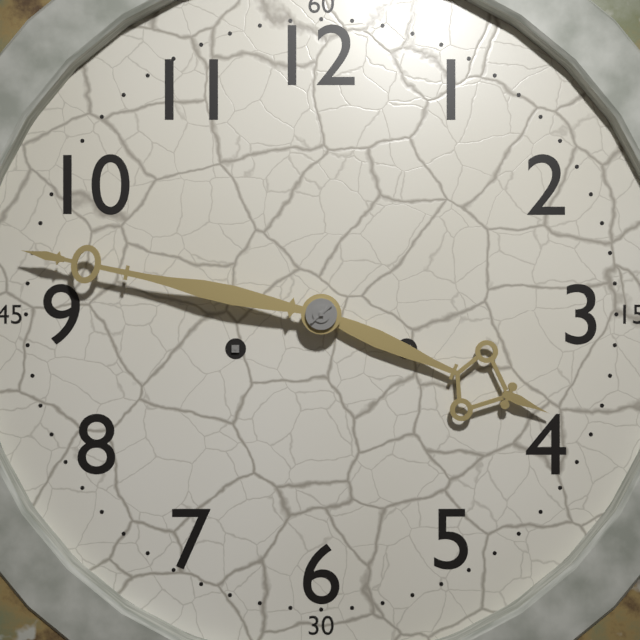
h=3 m=47
